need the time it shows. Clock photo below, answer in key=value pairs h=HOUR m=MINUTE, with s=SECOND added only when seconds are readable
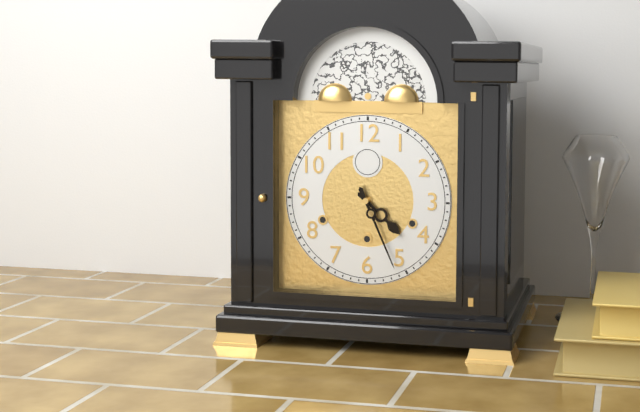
h=4 m=26
